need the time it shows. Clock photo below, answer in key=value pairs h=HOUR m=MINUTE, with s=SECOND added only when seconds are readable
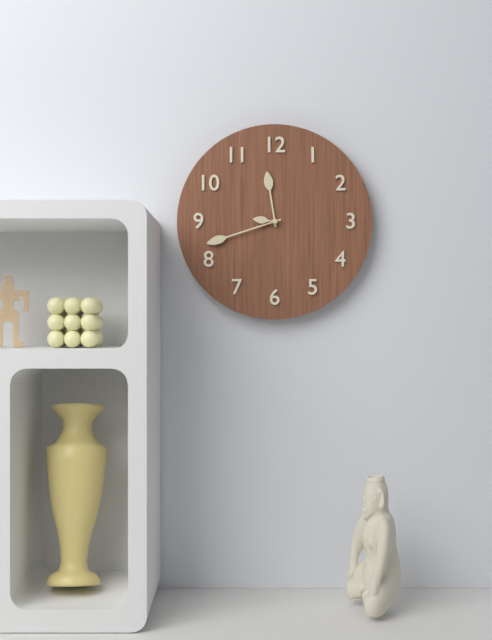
h=11 m=42
